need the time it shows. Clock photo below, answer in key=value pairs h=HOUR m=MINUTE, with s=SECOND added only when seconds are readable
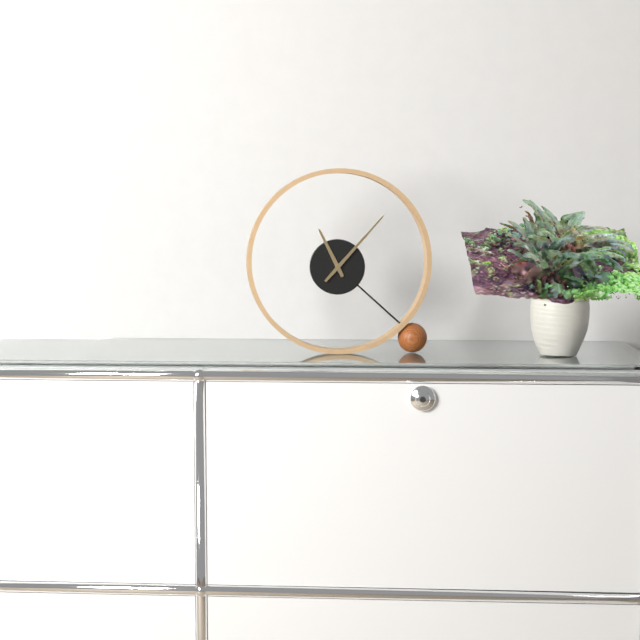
h=11 m=7
